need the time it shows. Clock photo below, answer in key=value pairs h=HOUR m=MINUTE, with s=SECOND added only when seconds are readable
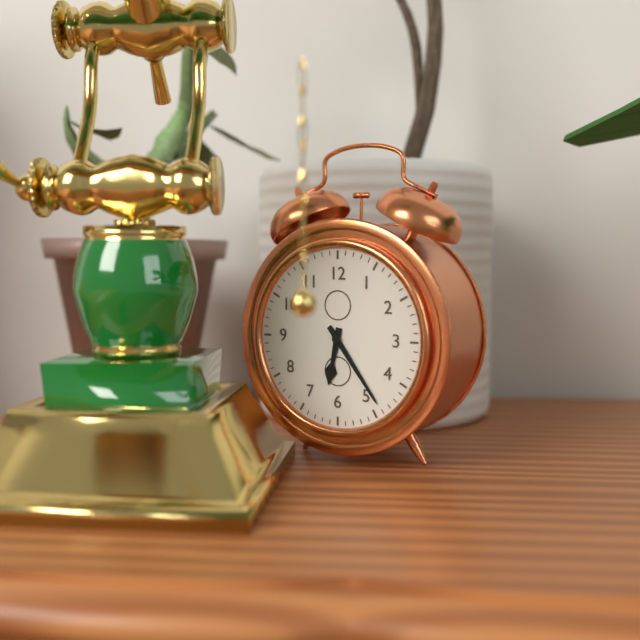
h=6 m=24
